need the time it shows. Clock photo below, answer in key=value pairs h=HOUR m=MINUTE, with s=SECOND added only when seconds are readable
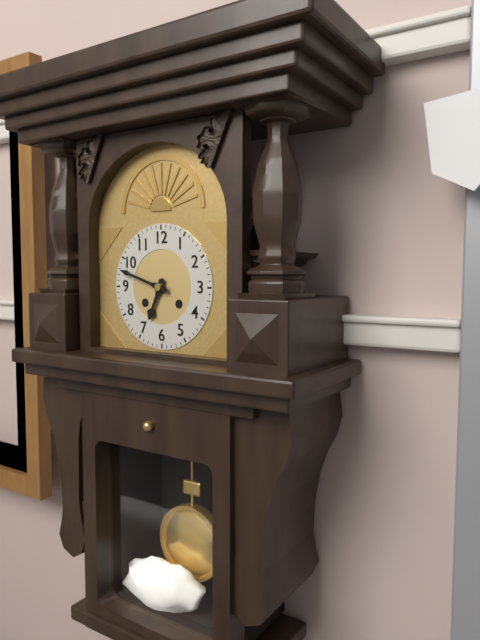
h=6 m=48
